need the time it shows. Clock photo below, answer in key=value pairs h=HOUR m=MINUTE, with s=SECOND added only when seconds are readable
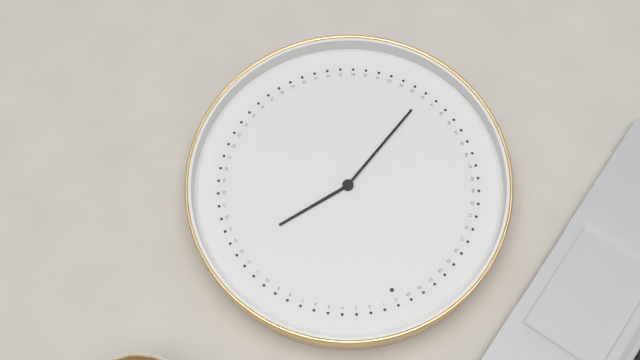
h=2 m=40
